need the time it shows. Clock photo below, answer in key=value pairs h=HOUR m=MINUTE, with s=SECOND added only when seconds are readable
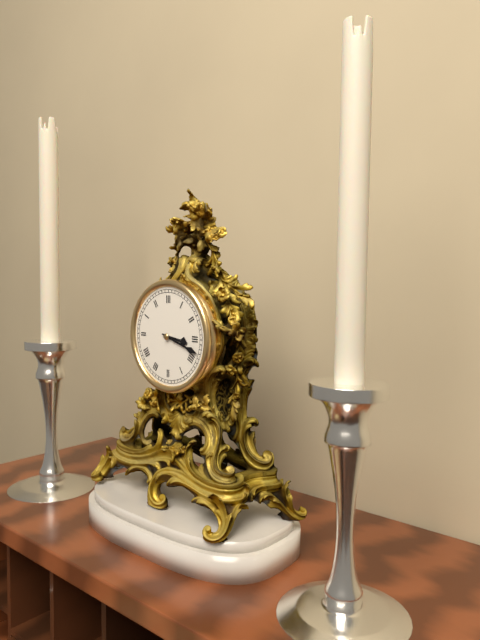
h=3 m=18
